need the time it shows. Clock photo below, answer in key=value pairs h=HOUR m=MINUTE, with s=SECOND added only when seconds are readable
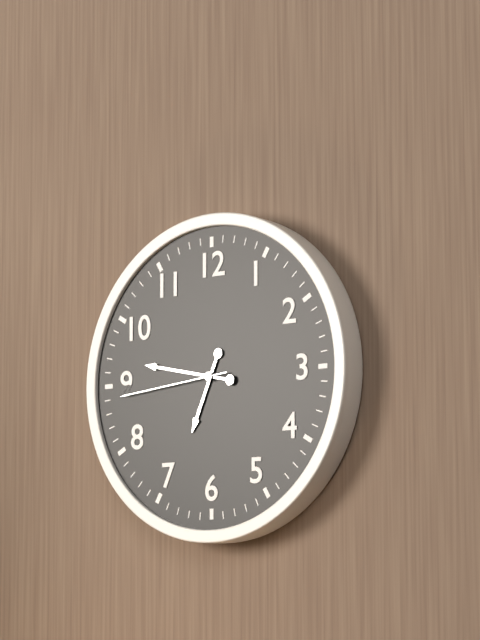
h=6 m=47 s=44
